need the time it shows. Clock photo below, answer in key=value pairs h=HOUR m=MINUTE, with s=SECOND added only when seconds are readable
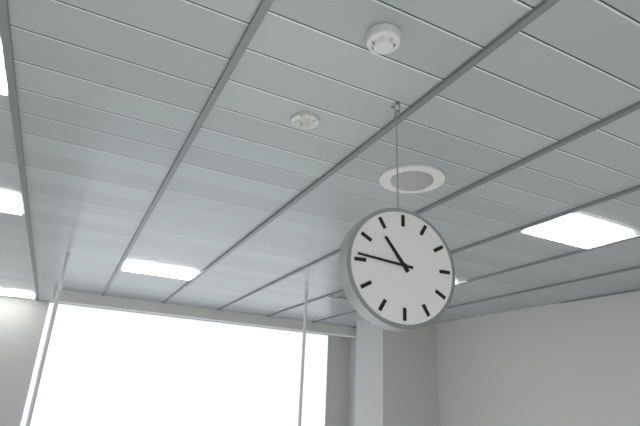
h=10 m=46
